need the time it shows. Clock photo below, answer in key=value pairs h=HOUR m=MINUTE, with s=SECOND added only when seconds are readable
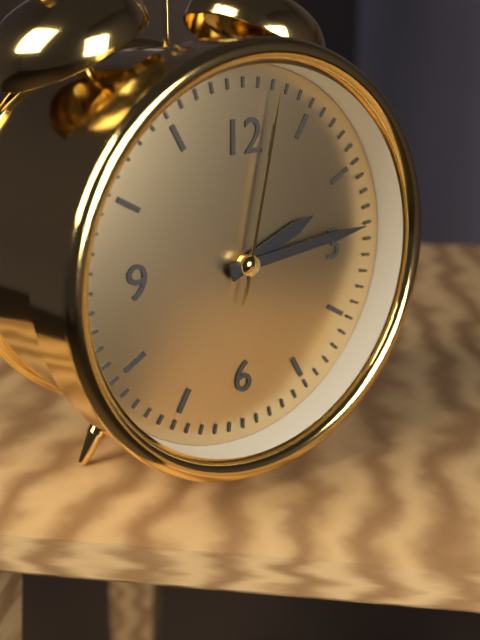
h=2 m=14 s=2
